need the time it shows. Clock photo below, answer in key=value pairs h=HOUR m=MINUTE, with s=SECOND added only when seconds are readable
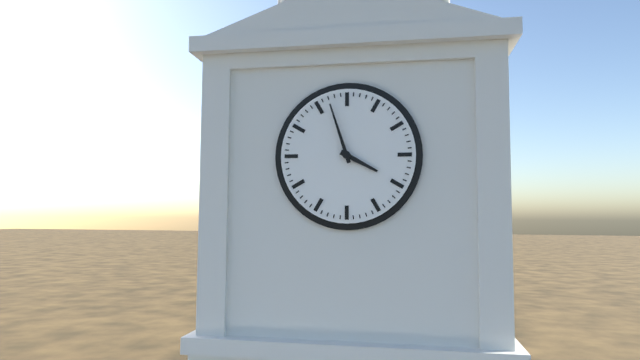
h=3 m=57
